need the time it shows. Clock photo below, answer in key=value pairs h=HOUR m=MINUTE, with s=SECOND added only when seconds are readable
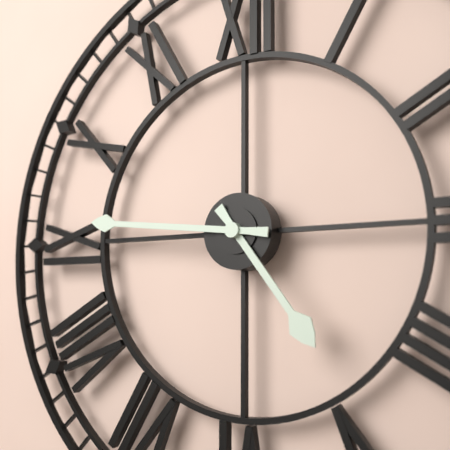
h=4 m=46
